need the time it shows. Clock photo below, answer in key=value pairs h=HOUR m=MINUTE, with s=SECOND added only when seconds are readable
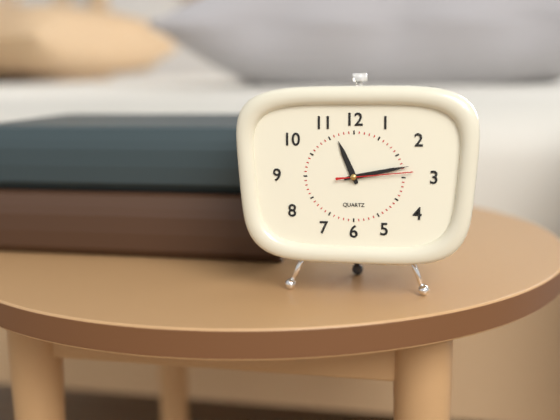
h=11 m=13 s=14
